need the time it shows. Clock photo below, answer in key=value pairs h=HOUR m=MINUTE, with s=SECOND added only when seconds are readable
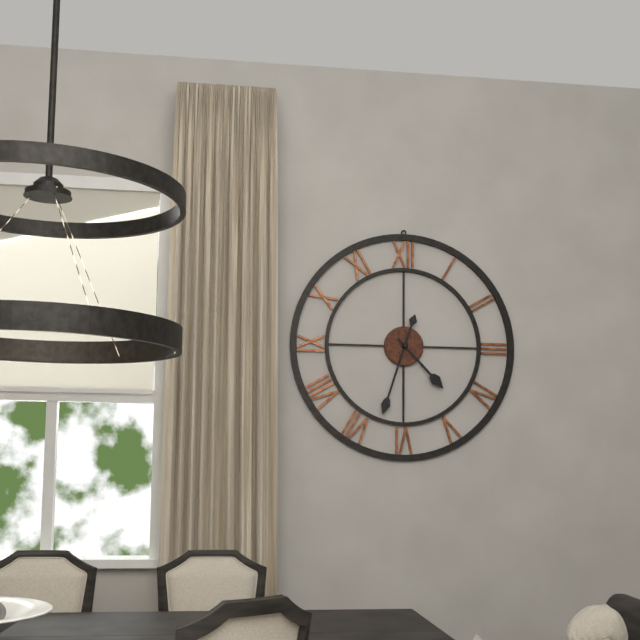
h=4 m=33
